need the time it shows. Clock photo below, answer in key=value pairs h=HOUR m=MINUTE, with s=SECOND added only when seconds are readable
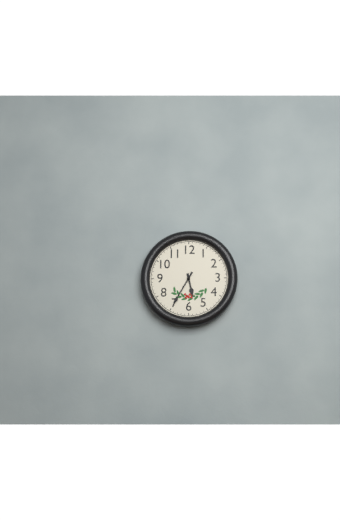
h=5 m=35
